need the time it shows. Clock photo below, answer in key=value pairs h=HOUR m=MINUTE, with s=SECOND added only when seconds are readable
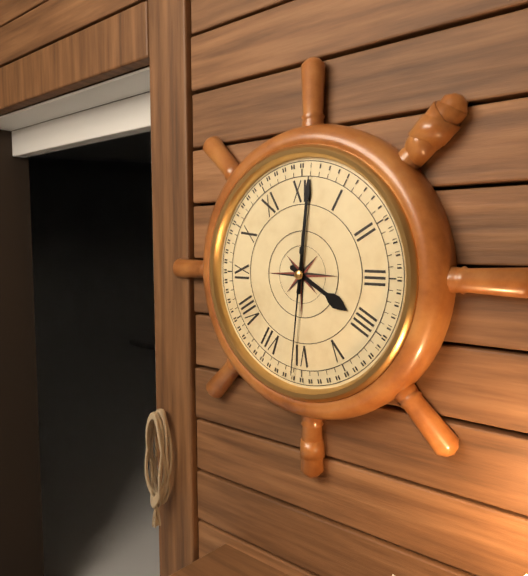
h=4 m=1 s=31
